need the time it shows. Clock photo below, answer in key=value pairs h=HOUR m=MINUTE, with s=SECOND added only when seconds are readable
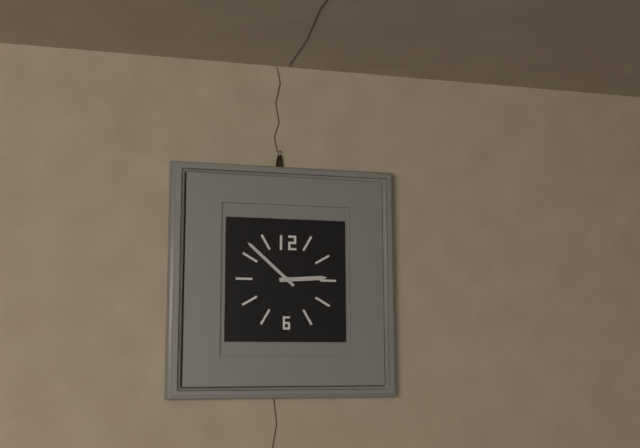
h=2 m=52
